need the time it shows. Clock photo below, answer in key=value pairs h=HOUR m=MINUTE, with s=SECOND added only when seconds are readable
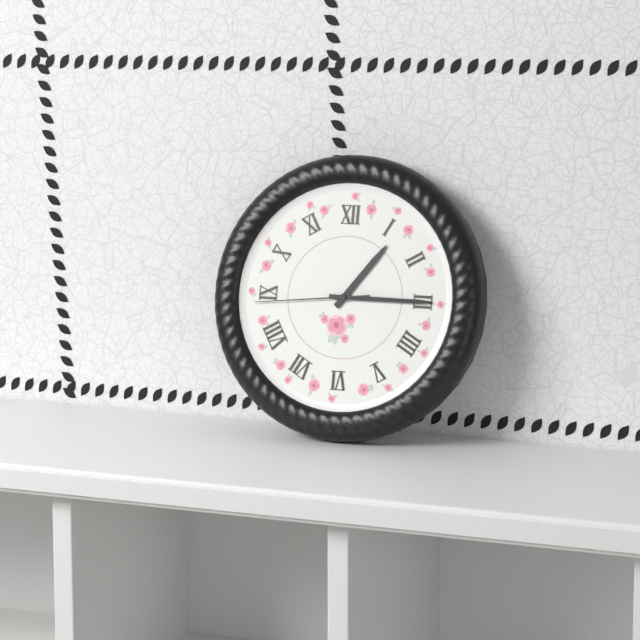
h=1 m=15 s=44
